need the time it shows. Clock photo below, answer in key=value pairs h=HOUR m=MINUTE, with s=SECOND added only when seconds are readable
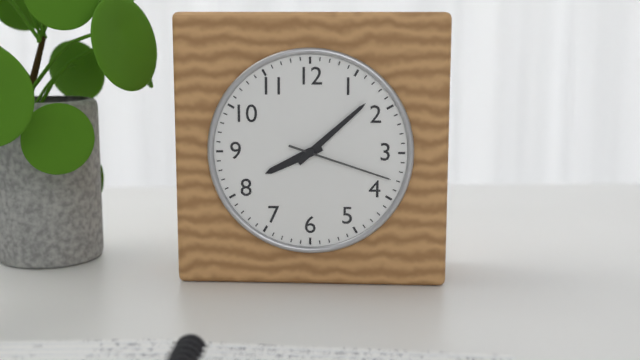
h=8 m=8 s=18
